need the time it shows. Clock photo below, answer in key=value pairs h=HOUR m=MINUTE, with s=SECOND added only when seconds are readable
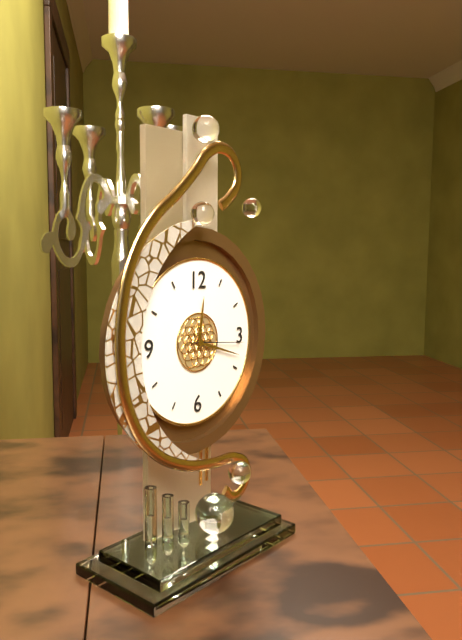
h=12 m=18 s=16
